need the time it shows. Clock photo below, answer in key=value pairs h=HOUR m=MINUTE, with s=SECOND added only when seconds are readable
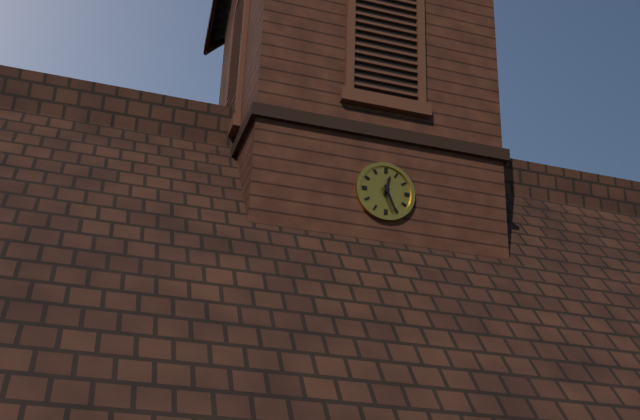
h=12 m=26
